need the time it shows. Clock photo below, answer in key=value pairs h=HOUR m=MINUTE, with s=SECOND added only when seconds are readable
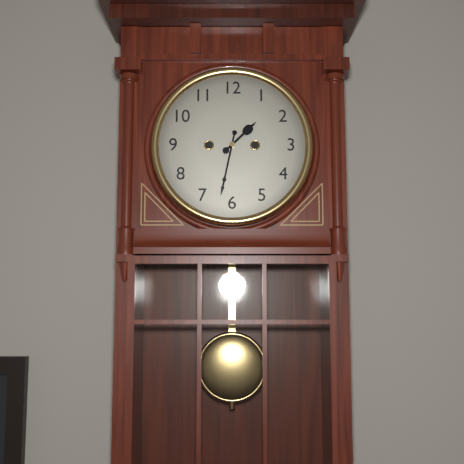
h=1 m=32
